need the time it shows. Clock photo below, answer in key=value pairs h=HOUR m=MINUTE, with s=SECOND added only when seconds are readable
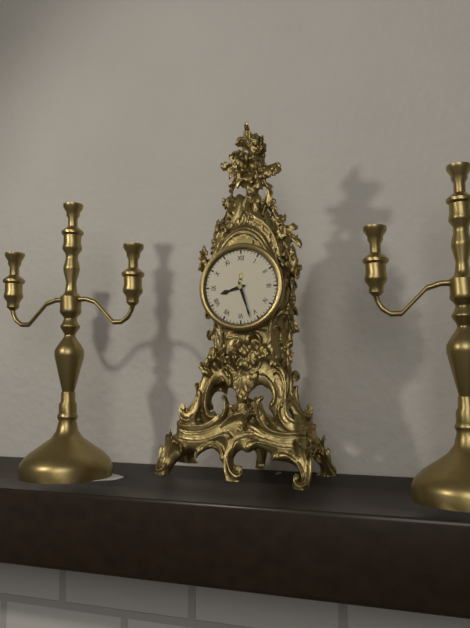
h=8 m=27
